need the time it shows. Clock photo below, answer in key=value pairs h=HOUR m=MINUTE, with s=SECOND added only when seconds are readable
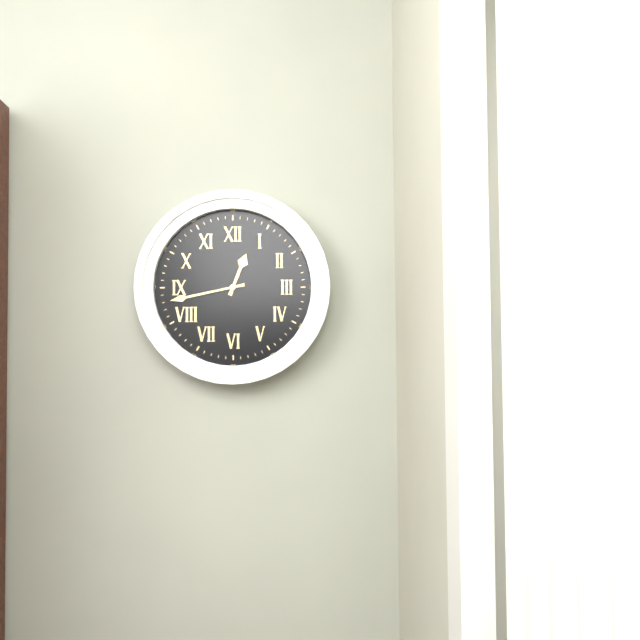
h=12 m=43
